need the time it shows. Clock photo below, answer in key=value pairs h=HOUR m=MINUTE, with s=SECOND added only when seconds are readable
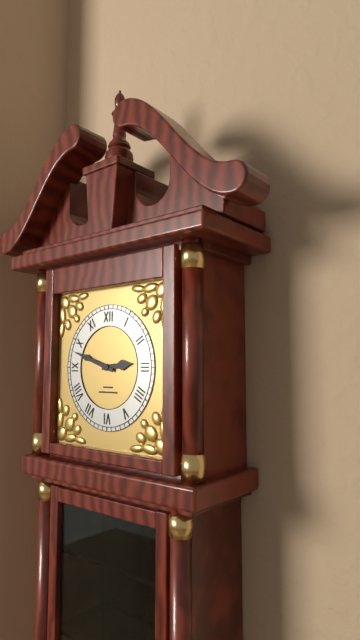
h=2 m=48
